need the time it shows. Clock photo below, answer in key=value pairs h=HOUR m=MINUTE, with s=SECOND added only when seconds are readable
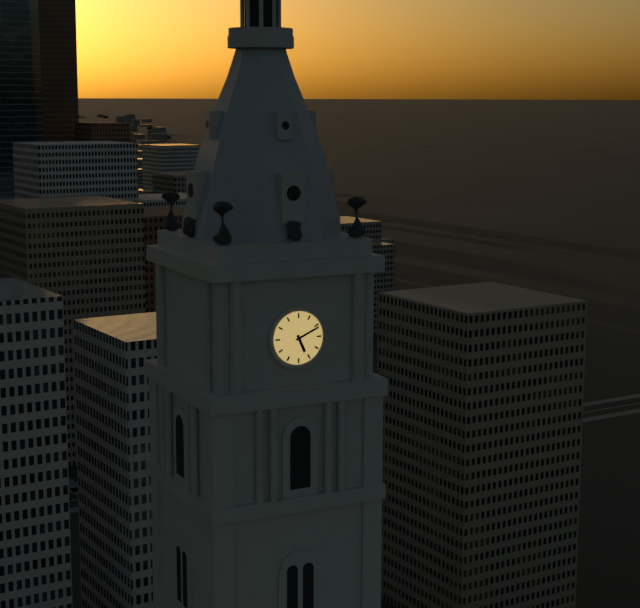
h=5 m=11
